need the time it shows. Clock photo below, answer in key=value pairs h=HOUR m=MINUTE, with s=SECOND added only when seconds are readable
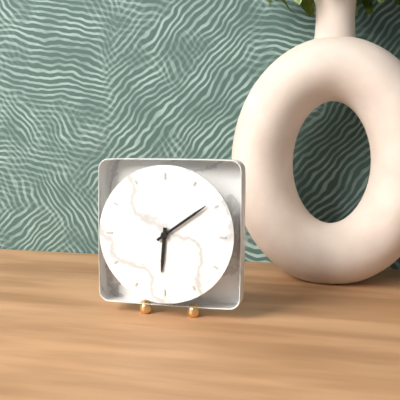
h=6 m=9
